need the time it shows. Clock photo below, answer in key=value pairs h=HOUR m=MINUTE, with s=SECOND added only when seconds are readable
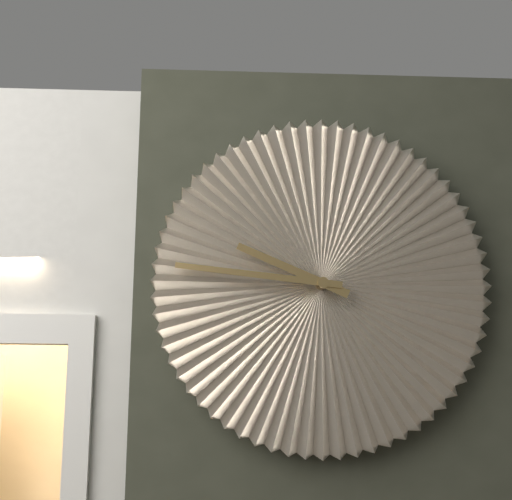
h=9 m=46
